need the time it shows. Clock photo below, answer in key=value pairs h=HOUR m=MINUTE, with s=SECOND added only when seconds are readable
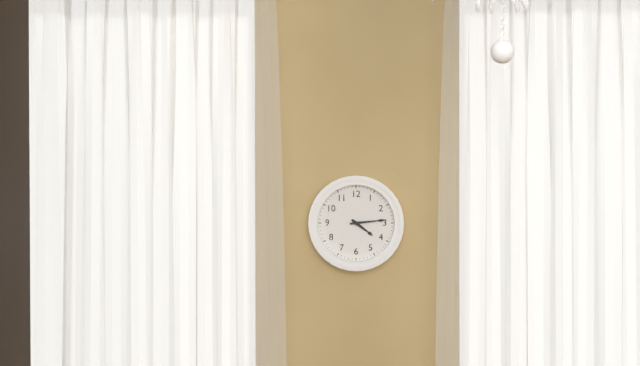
h=4 m=14
